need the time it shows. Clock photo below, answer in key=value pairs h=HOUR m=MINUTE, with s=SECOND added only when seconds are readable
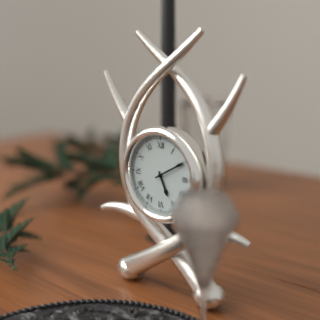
h=5 m=10
